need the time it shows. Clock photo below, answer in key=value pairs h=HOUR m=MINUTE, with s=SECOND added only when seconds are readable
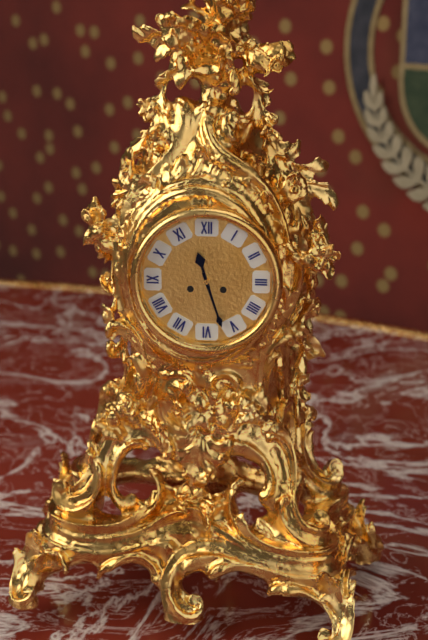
h=11 m=27
